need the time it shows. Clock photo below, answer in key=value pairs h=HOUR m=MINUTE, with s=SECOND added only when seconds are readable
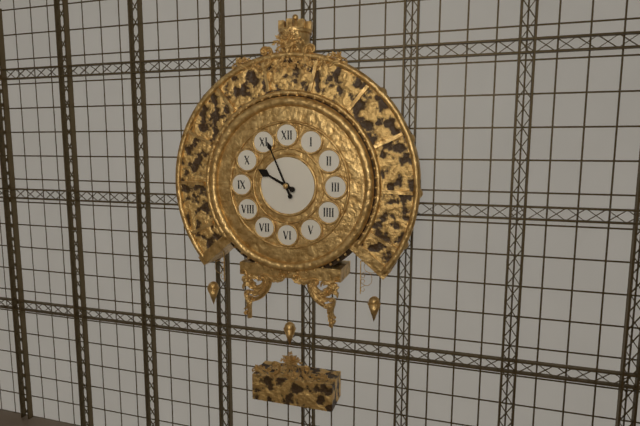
h=9 m=56
